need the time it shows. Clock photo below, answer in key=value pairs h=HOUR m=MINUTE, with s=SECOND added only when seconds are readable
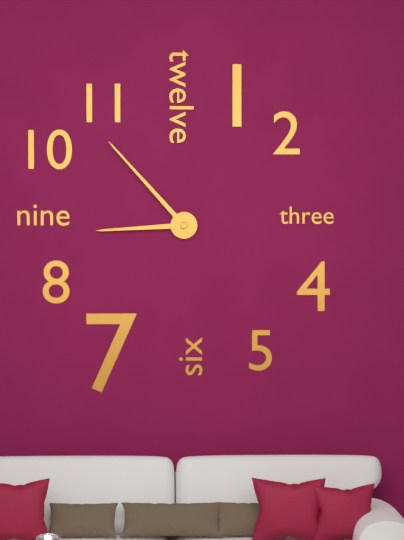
h=8 m=53
